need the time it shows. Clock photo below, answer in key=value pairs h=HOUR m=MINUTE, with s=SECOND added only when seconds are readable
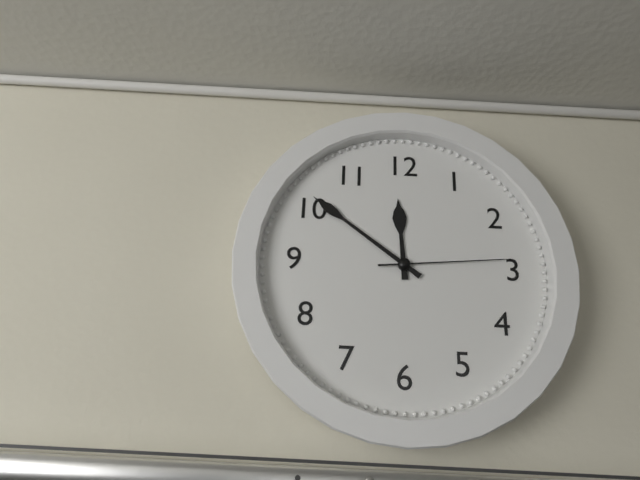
h=11 m=51 s=14
